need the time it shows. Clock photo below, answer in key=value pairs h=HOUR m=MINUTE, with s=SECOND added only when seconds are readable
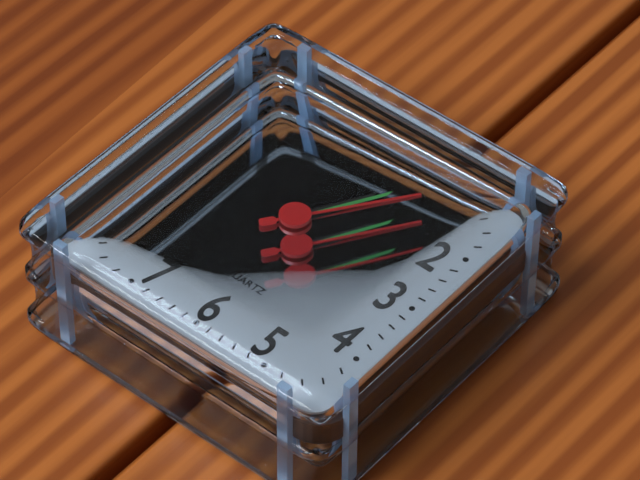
h=11 m=5 s=6
